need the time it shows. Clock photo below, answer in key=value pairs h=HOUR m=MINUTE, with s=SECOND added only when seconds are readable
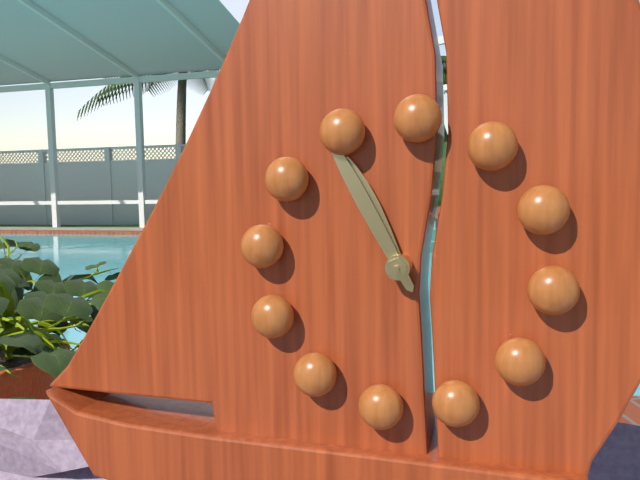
h=10 m=54
